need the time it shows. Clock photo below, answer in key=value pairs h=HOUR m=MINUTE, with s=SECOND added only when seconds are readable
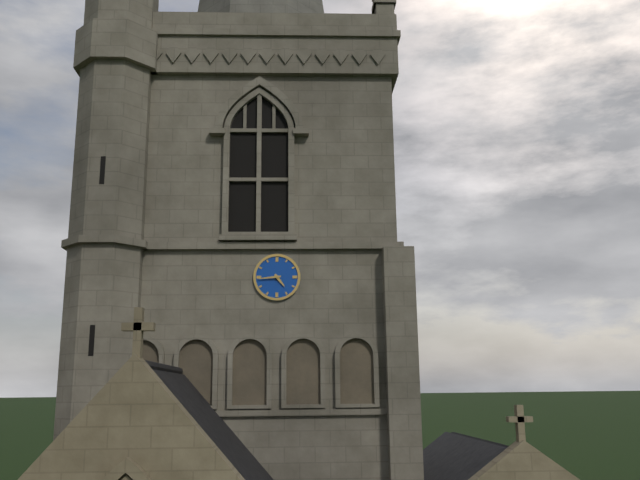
h=4 m=44
